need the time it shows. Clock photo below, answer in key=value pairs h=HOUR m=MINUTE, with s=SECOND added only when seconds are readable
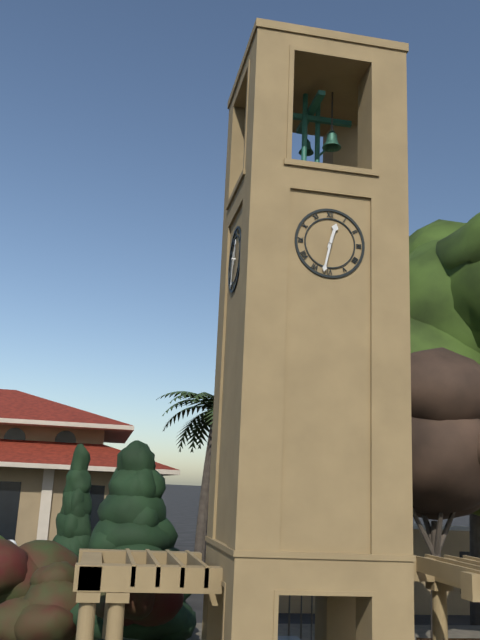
h=12 m=32
